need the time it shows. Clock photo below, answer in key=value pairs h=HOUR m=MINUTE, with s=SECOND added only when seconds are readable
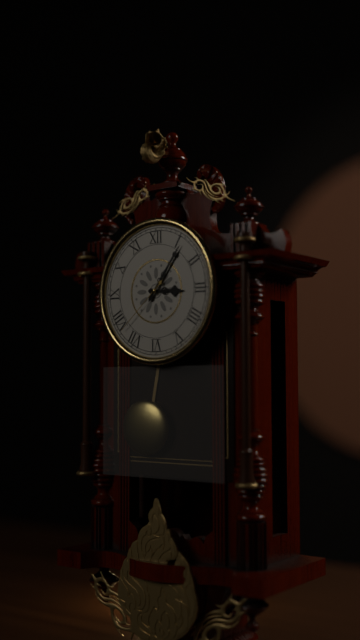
h=3 m=6 s=38
